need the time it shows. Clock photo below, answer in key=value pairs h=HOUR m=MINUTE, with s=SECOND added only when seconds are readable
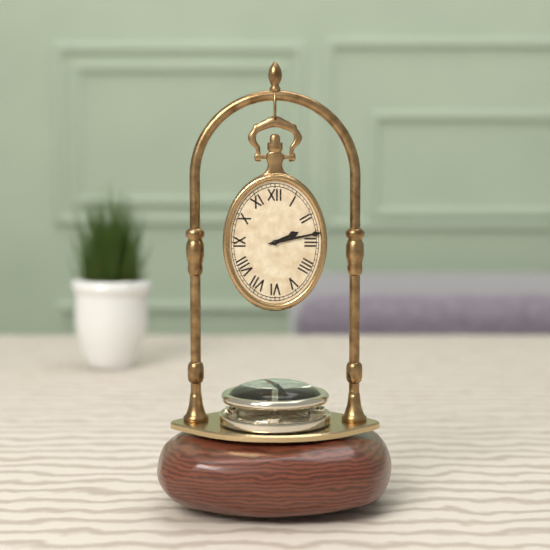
h=2 m=13
